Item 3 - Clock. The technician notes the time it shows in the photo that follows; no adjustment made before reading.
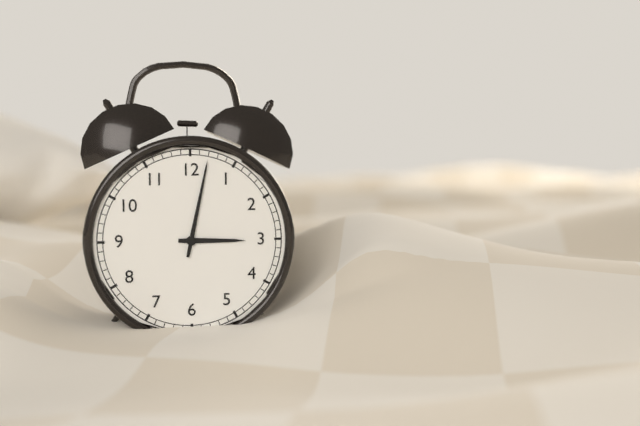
3:02
